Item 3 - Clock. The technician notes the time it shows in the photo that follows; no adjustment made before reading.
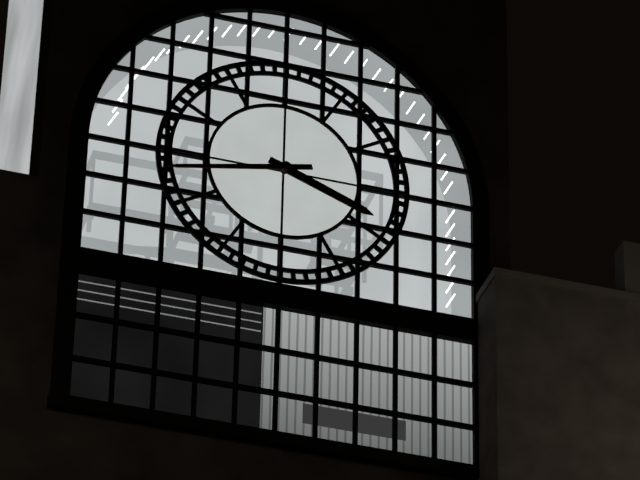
3:43
